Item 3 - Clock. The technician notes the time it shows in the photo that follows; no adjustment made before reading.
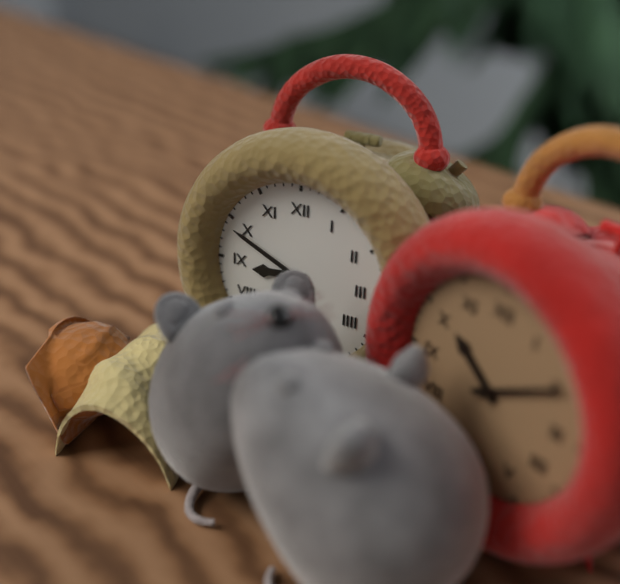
8:49
